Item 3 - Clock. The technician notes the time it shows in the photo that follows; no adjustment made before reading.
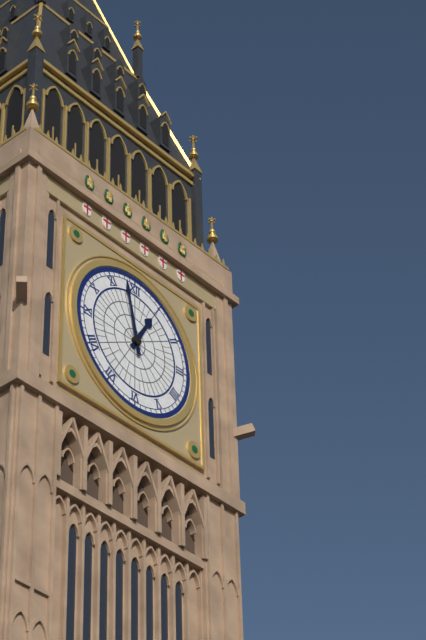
12:58
